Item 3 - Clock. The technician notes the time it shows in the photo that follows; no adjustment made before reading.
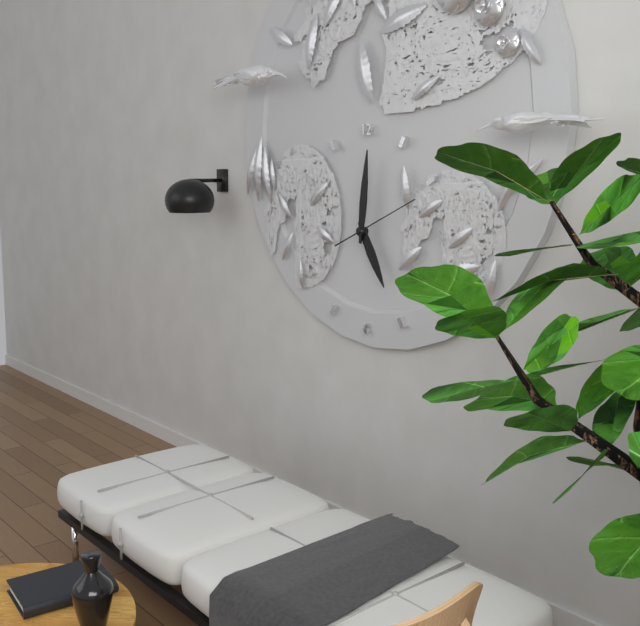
5:01:11
